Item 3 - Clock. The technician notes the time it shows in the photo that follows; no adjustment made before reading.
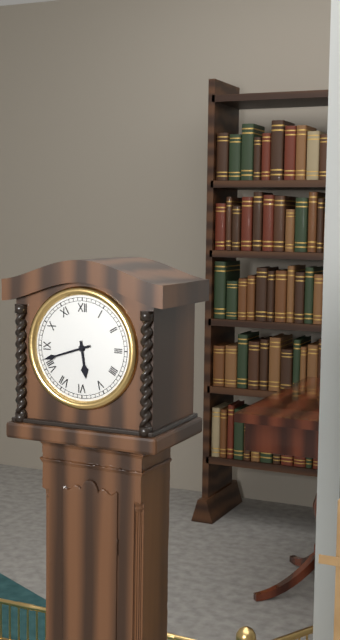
5:42
